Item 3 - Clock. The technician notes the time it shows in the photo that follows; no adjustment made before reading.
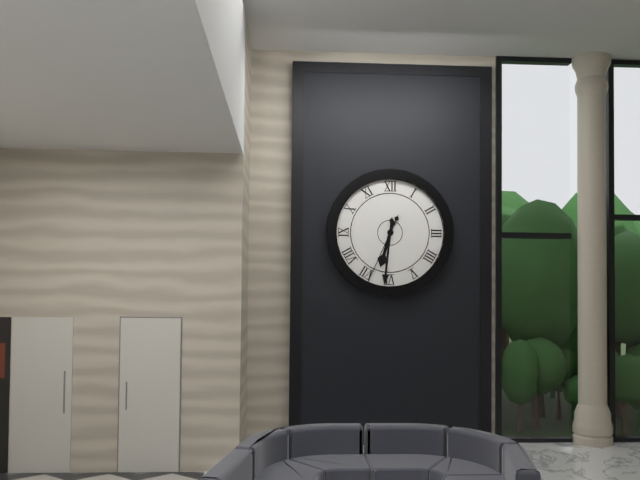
6:31:34
